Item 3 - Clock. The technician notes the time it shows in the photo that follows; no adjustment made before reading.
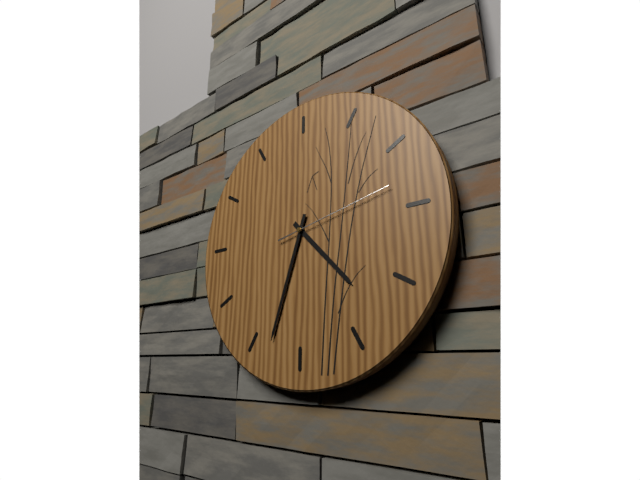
4:33:13
